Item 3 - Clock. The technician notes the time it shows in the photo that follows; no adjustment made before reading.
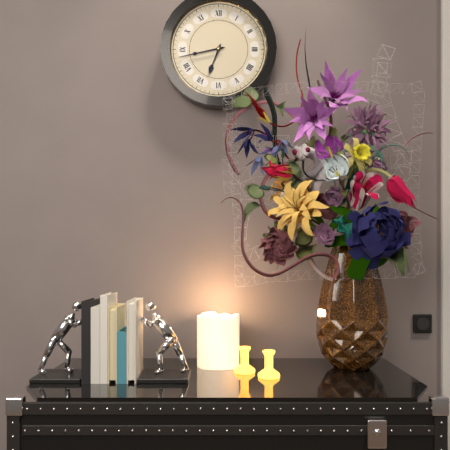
6:43
